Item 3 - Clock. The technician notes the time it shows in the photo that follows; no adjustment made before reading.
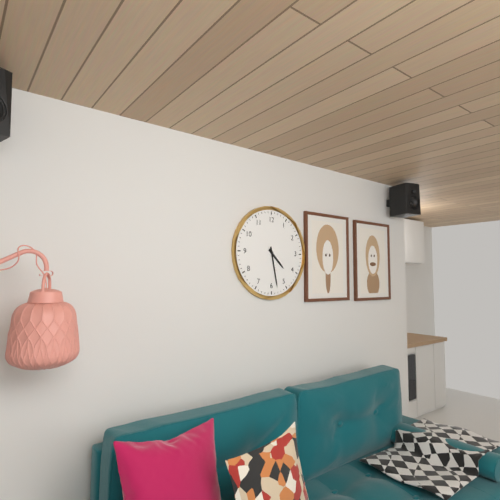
4:28
